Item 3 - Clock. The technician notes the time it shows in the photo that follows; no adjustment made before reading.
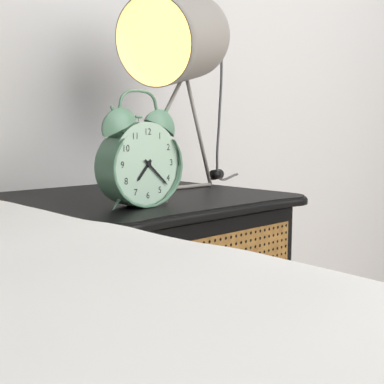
7:22
